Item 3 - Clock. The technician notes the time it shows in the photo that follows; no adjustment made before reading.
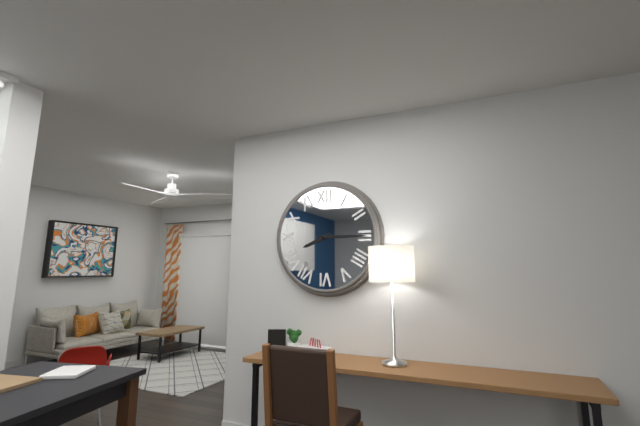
8:15
